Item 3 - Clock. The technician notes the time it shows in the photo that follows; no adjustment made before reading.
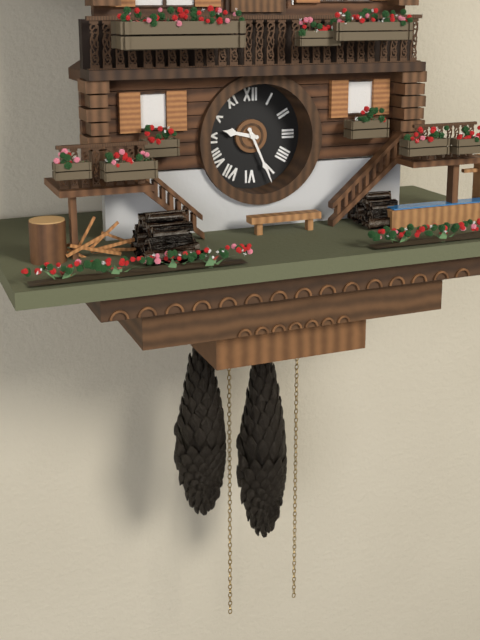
9:26
